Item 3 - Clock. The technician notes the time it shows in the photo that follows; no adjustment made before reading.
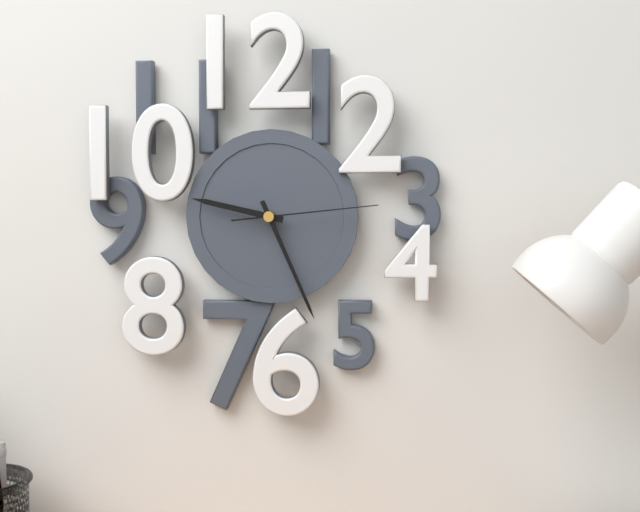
9:26:14
